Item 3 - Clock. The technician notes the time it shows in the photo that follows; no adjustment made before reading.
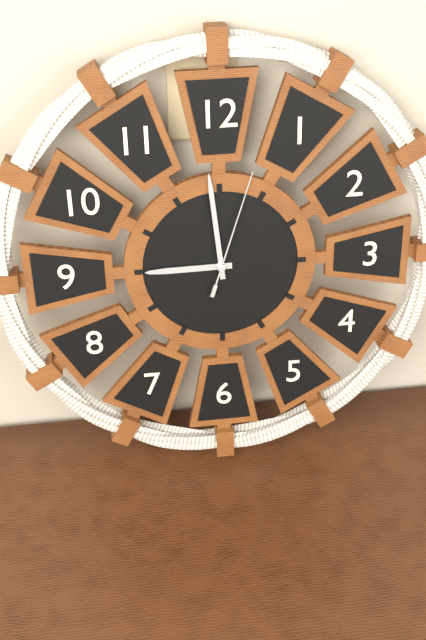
8:59:03
